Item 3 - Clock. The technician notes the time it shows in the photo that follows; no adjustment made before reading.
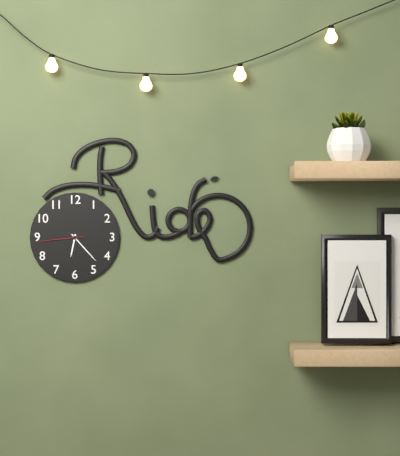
6:23
